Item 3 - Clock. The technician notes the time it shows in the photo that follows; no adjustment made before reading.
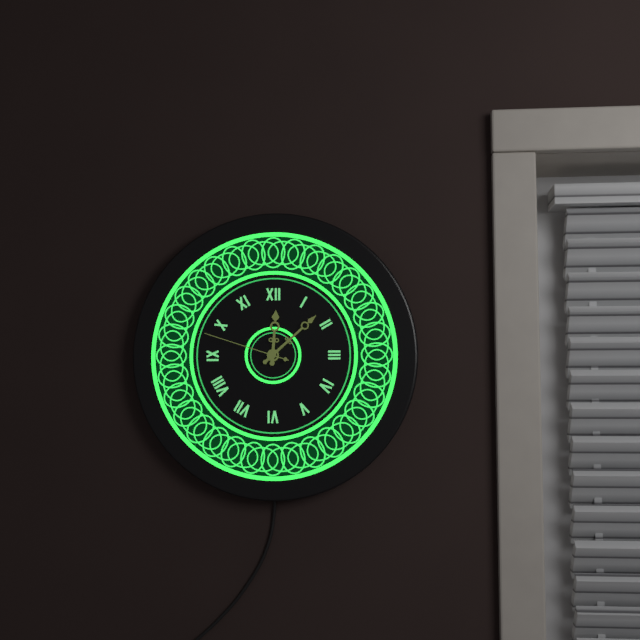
12:08:48
